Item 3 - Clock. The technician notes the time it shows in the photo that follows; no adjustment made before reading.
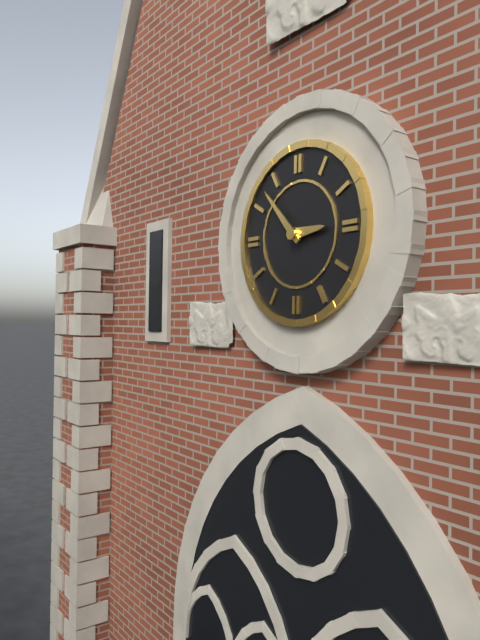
2:53
